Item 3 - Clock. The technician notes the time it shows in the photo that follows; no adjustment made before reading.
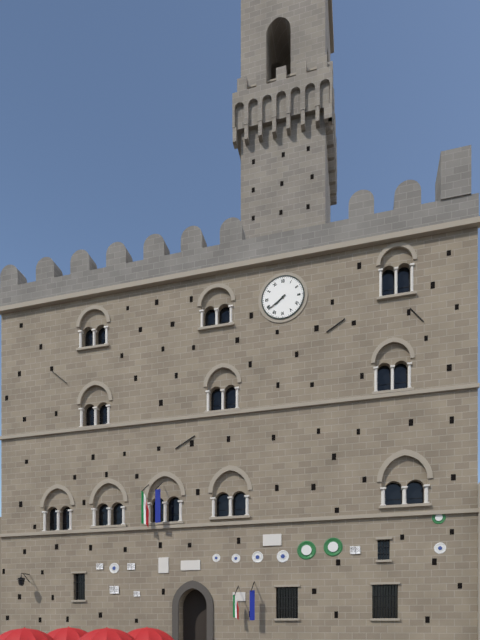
7:39
